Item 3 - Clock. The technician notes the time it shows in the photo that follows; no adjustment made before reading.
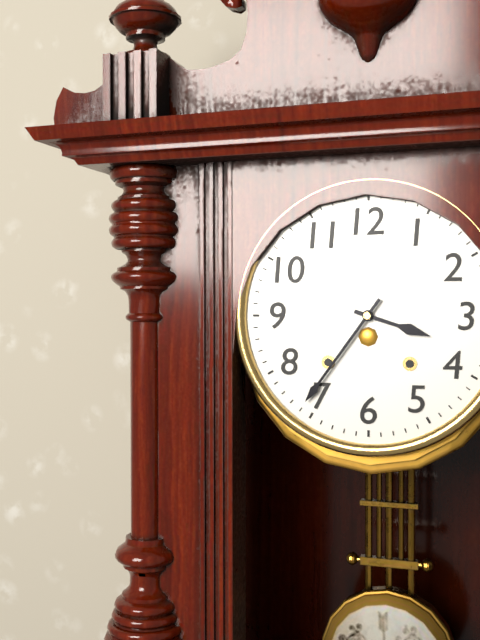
3:36
